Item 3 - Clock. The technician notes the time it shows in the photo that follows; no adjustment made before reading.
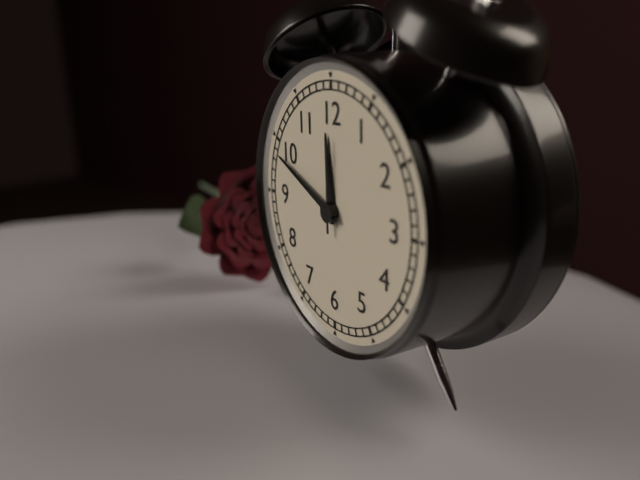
11:49:00
